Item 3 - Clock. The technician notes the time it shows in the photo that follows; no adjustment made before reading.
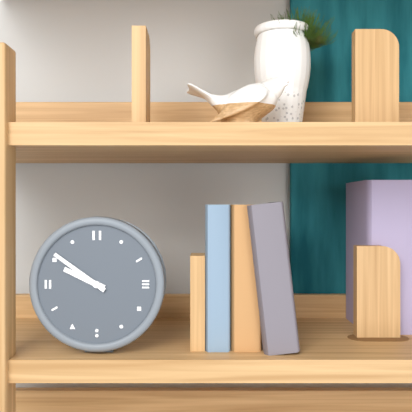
9:51
